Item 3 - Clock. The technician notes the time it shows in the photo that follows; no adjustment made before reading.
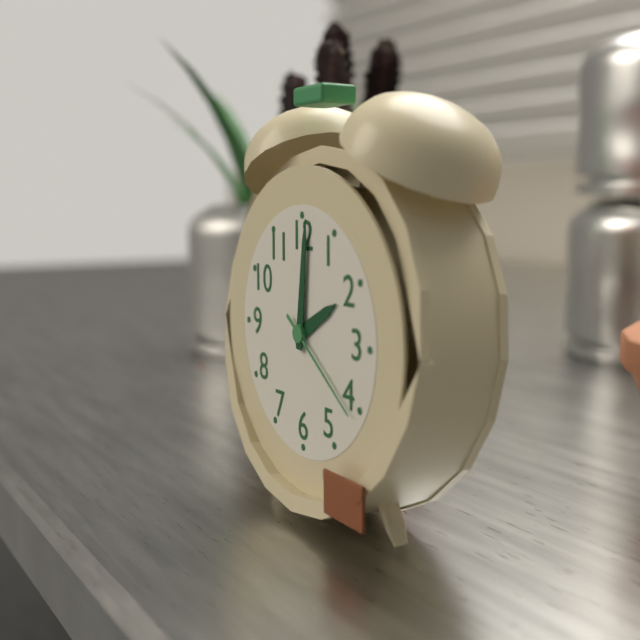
2:01:21
